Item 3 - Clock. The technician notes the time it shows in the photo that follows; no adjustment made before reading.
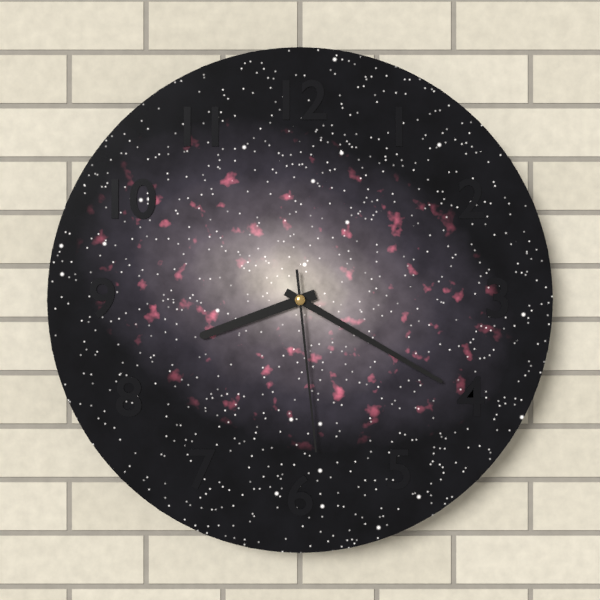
8:20:29
